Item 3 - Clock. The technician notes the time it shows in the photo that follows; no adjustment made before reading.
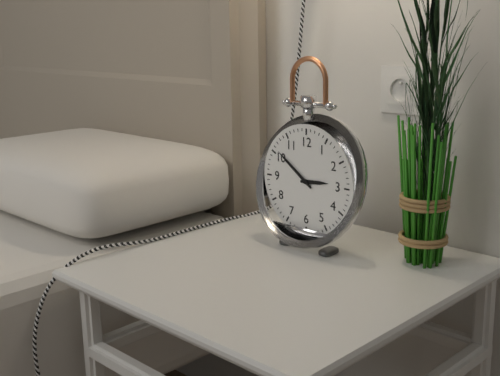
2:51
